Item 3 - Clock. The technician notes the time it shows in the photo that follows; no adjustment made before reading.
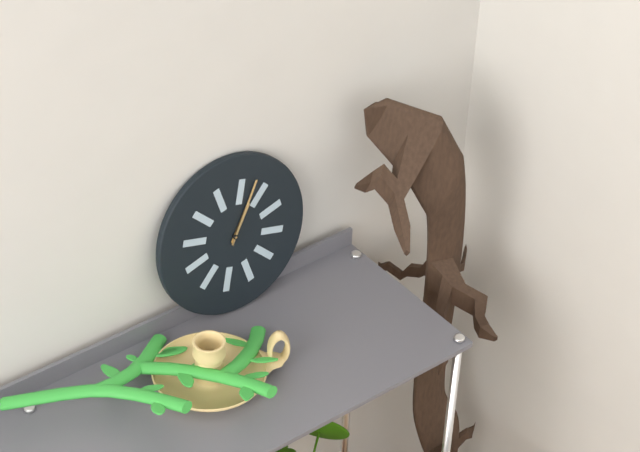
1:05
